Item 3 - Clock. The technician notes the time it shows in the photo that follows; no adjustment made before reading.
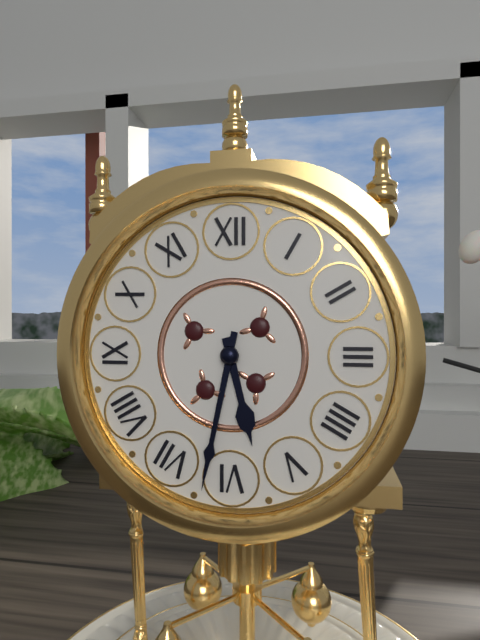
5:32
